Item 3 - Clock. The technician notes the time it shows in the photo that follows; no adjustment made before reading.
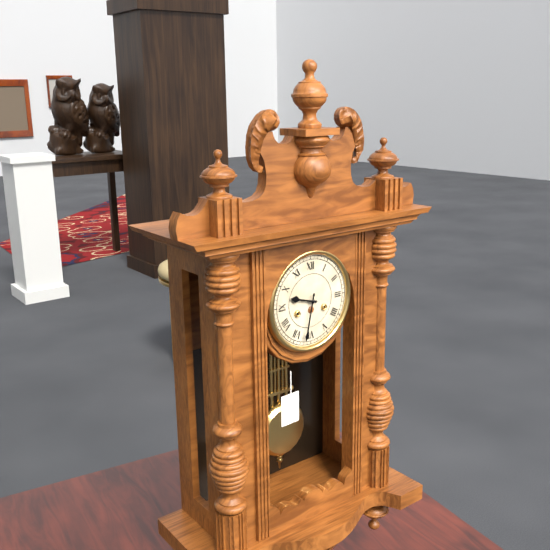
9:32
